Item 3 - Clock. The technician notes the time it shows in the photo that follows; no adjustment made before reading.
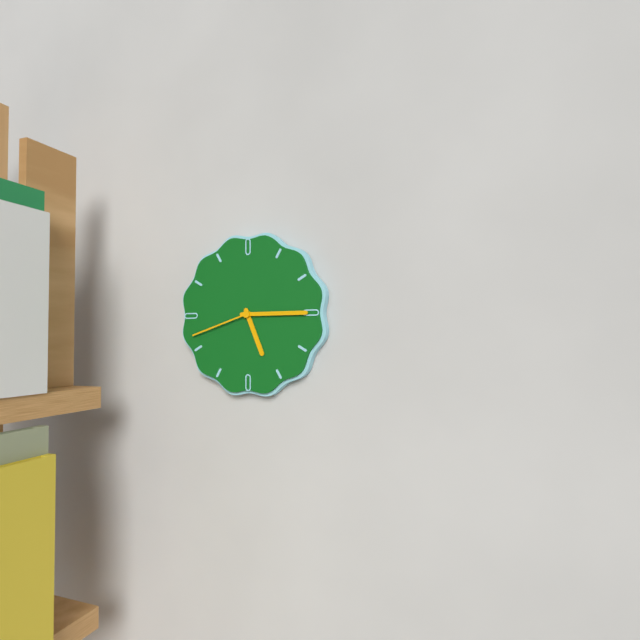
5:15:42
